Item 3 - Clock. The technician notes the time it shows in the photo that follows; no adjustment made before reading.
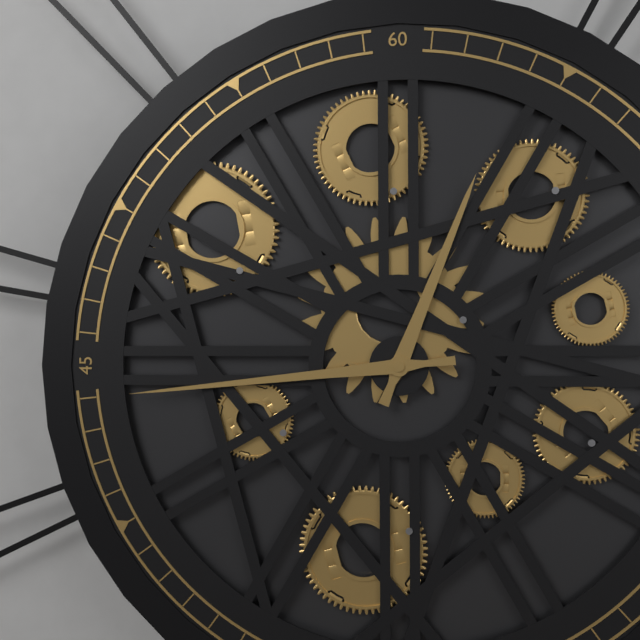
12:44
